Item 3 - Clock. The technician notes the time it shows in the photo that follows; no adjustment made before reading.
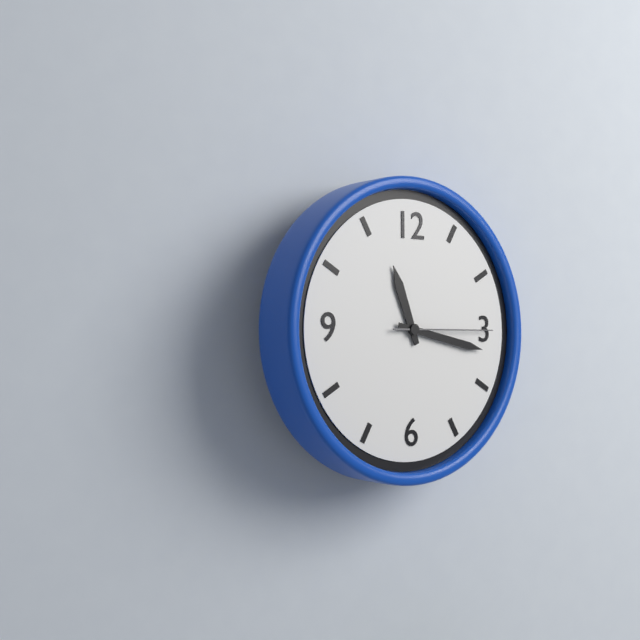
11:17:15
